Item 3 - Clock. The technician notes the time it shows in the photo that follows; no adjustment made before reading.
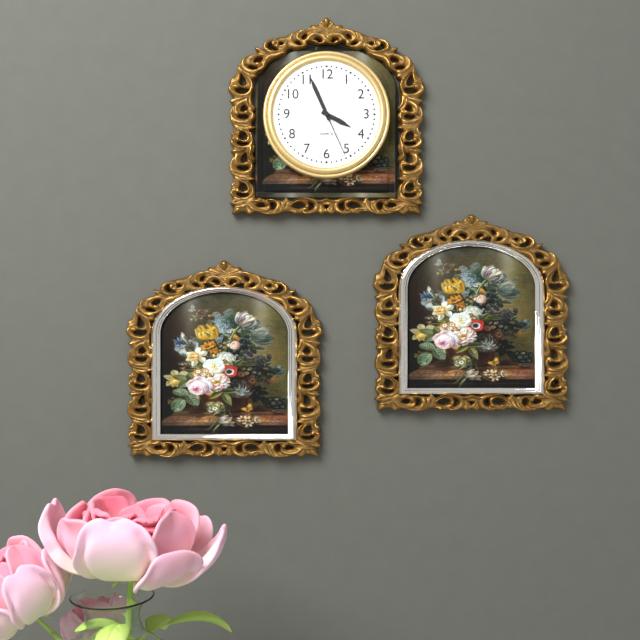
3:56:26
